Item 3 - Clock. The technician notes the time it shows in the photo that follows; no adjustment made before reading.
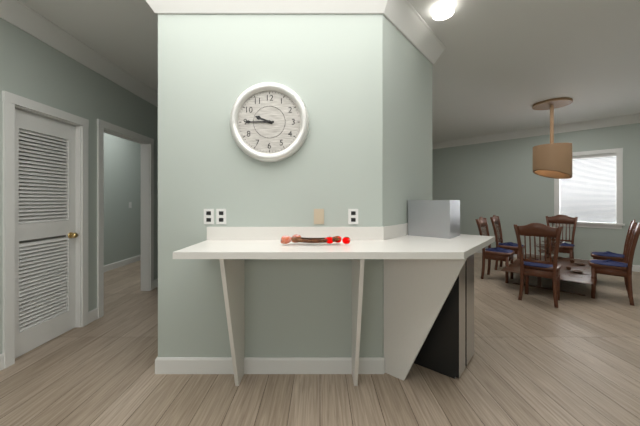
9:45
